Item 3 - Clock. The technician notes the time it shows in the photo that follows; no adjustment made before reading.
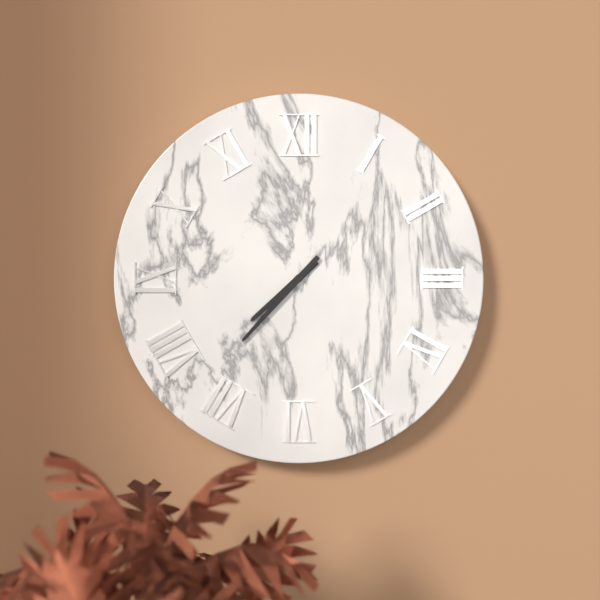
7:37
